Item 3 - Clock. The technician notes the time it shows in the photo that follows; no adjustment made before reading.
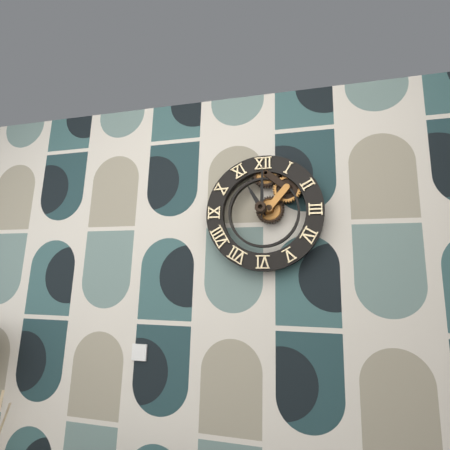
11:00
